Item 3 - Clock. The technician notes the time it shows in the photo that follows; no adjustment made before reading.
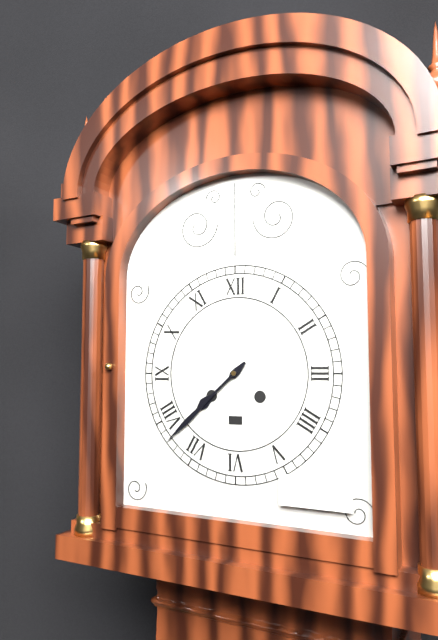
7:38
